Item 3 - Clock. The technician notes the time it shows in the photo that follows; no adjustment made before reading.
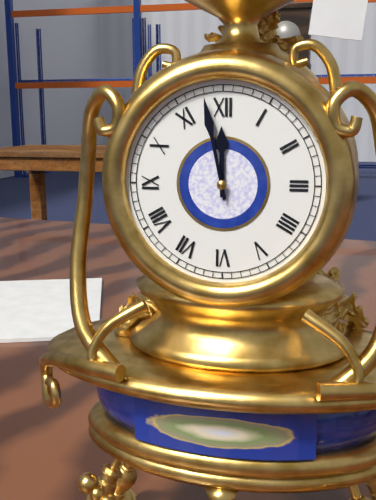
11:58
